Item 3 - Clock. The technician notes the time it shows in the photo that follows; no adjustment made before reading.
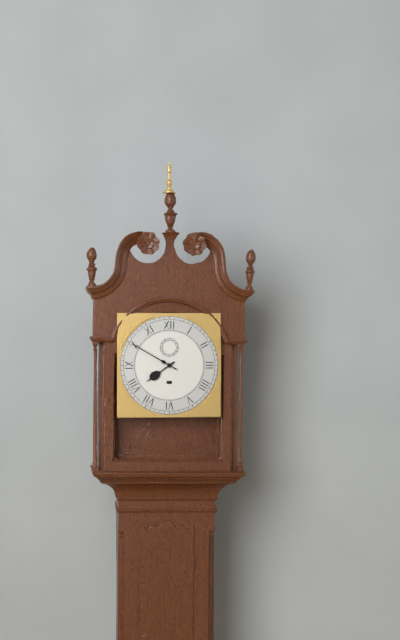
7:50
